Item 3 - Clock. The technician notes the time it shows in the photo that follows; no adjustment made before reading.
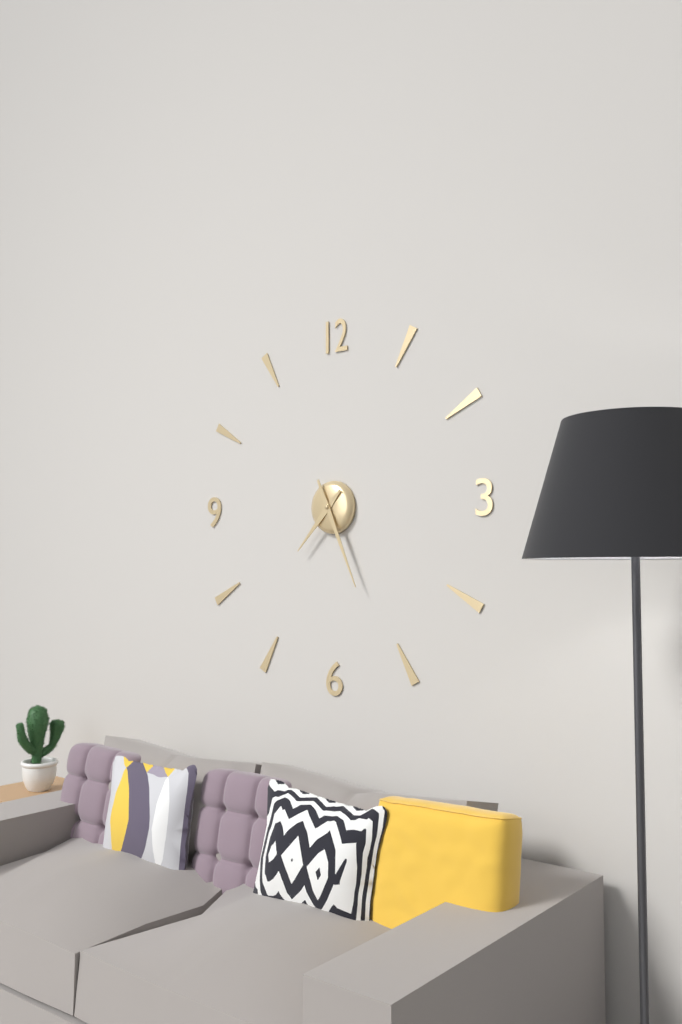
7:26
